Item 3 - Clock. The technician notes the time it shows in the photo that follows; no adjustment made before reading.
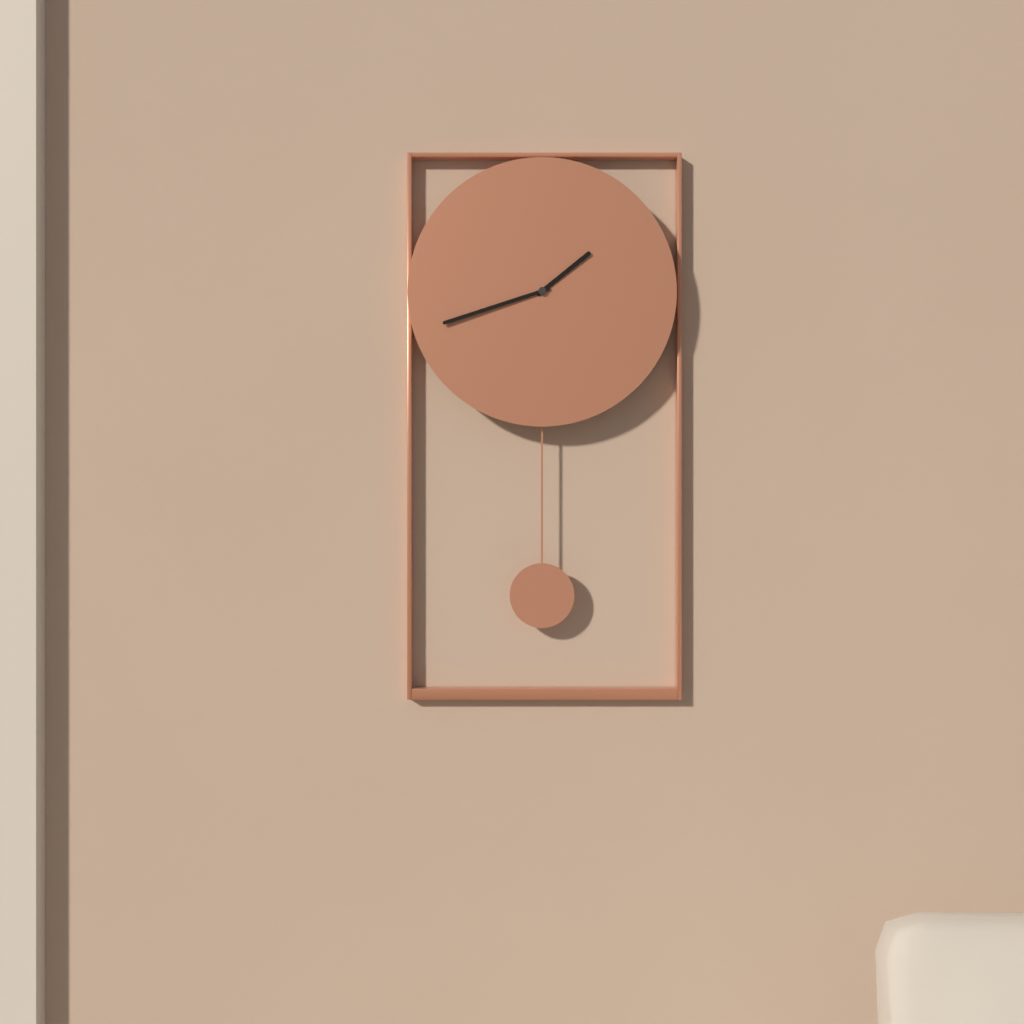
1:42
